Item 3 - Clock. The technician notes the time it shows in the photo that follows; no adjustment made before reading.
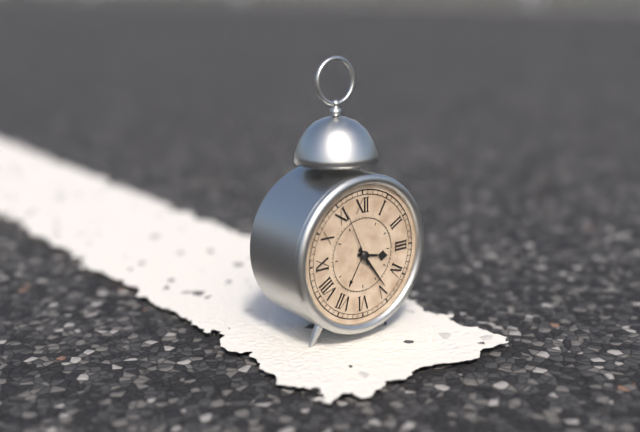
3:24:56
